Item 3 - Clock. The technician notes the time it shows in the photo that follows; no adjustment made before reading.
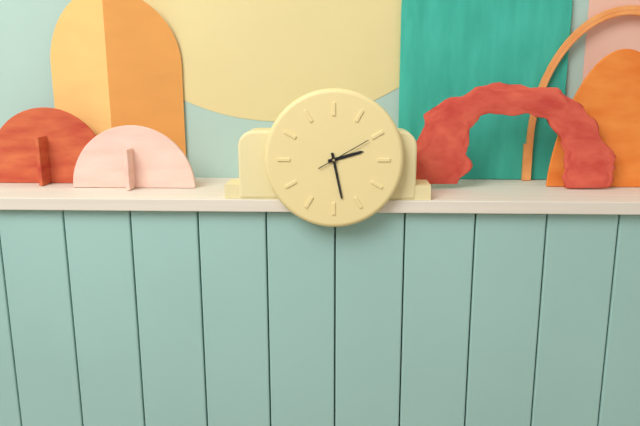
2:28:10
